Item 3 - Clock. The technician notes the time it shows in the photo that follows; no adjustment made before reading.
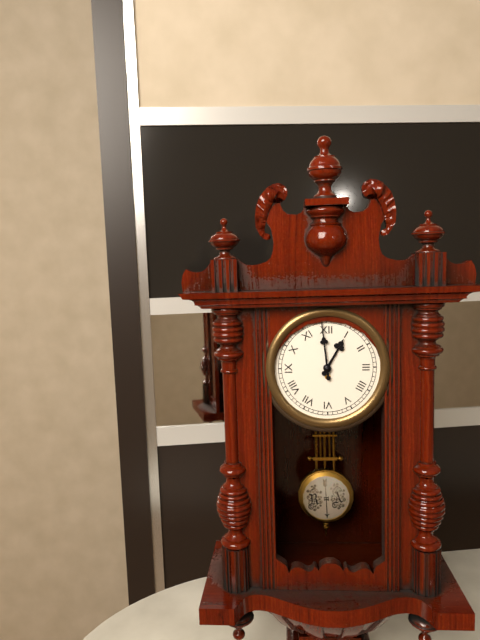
12:59
